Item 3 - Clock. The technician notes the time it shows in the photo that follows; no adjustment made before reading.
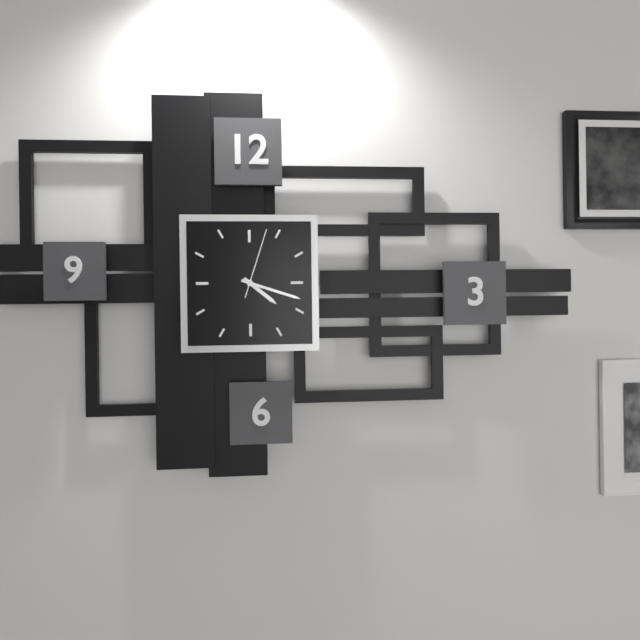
4:18:03
